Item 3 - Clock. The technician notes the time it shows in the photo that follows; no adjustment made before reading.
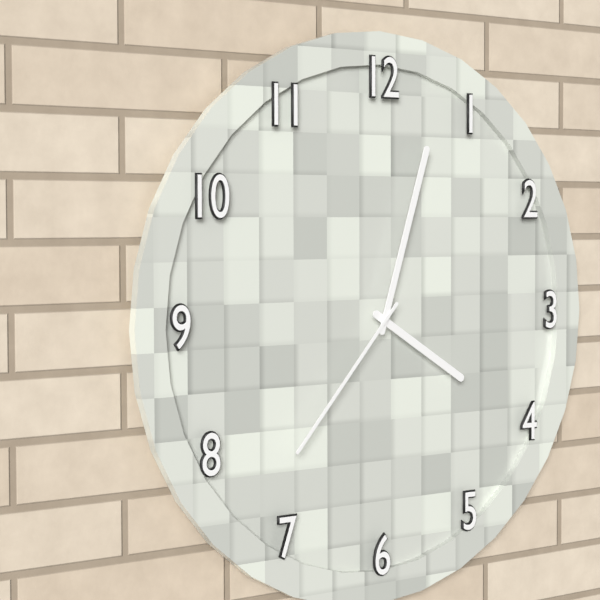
4:03:37
